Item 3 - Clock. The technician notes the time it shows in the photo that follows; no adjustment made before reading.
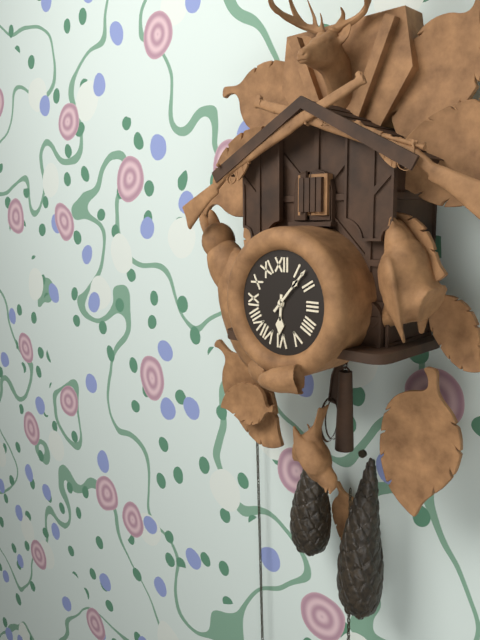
6:07
